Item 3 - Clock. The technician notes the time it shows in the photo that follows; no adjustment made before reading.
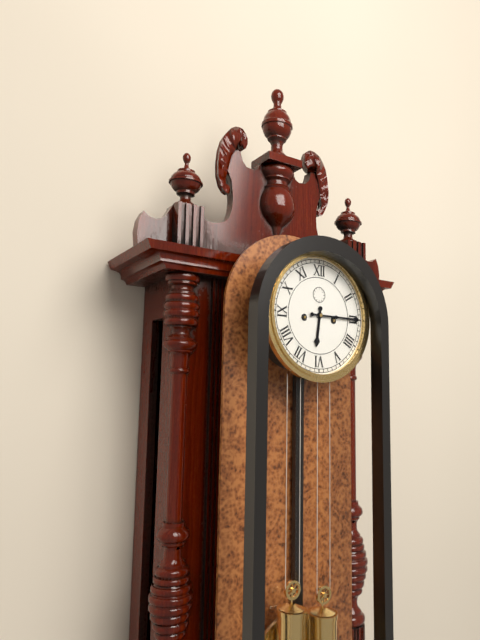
6:15
